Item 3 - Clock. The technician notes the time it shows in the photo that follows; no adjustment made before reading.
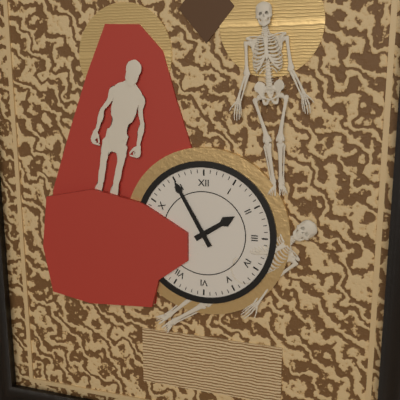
1:55
